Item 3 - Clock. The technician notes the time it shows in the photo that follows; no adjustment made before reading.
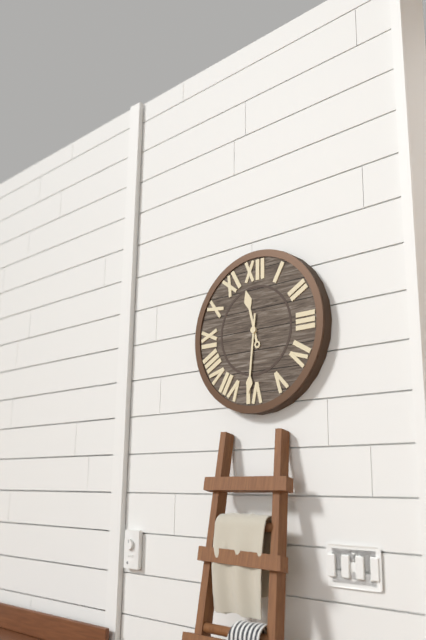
11:31
